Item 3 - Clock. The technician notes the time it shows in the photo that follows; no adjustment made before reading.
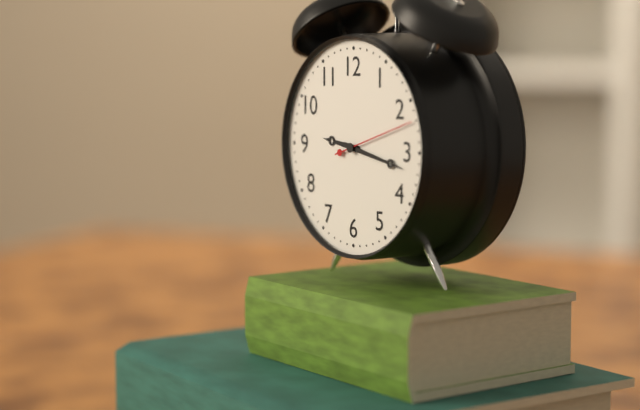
9:17:12
